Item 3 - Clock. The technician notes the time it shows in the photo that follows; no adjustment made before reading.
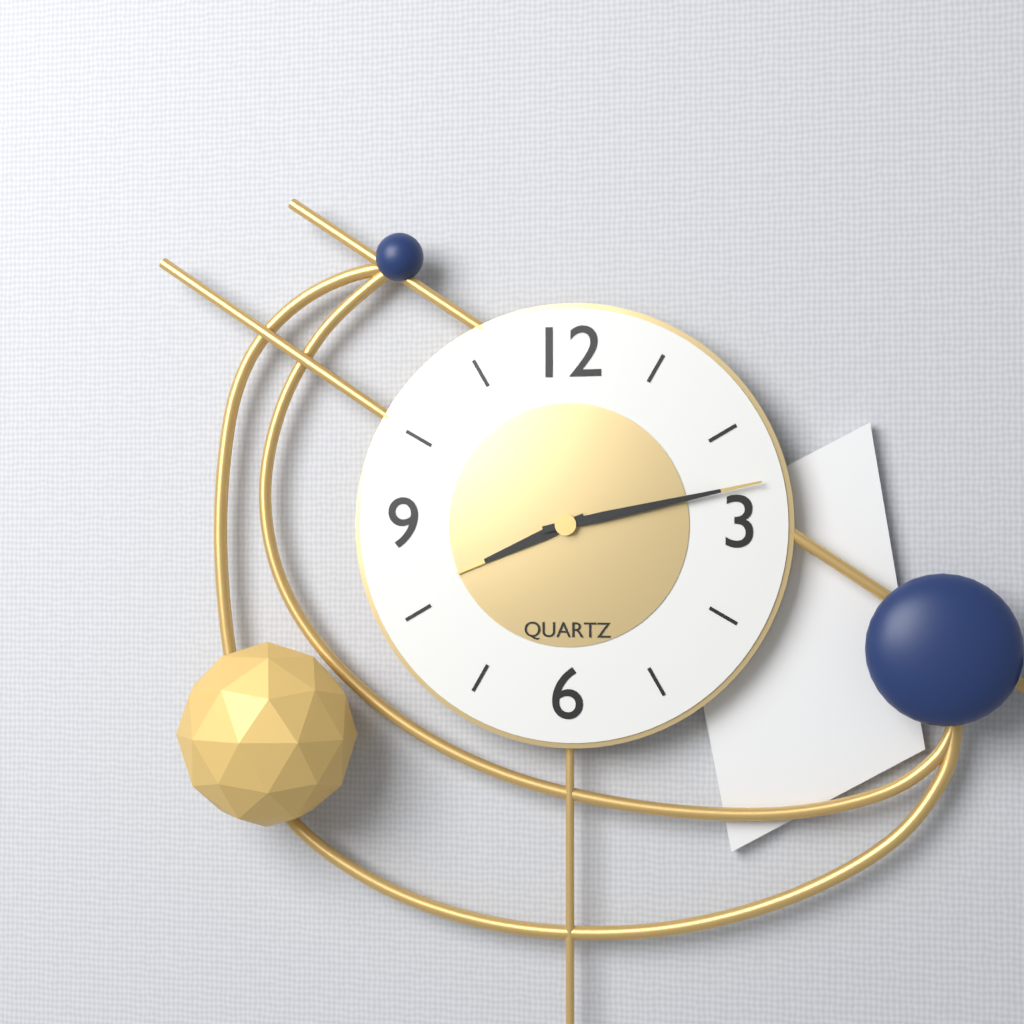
8:13
